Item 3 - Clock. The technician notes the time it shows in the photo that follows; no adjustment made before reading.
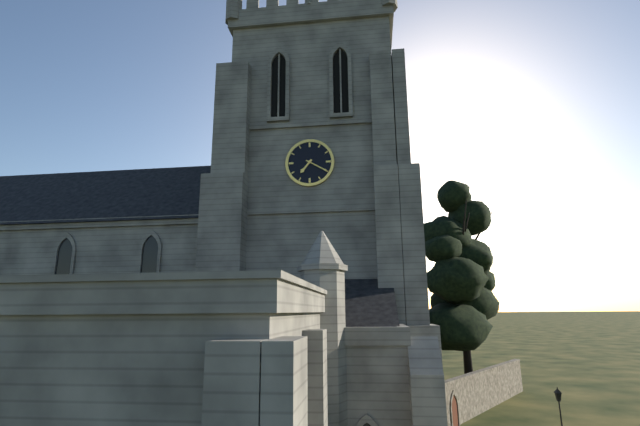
7:20
